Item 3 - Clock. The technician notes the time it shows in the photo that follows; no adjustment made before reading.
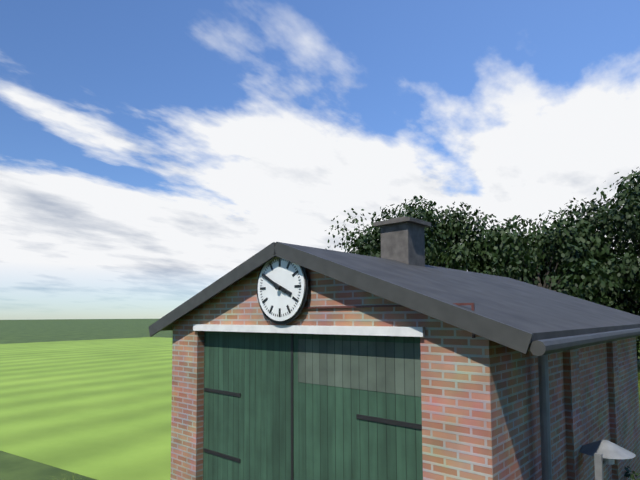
3:50
